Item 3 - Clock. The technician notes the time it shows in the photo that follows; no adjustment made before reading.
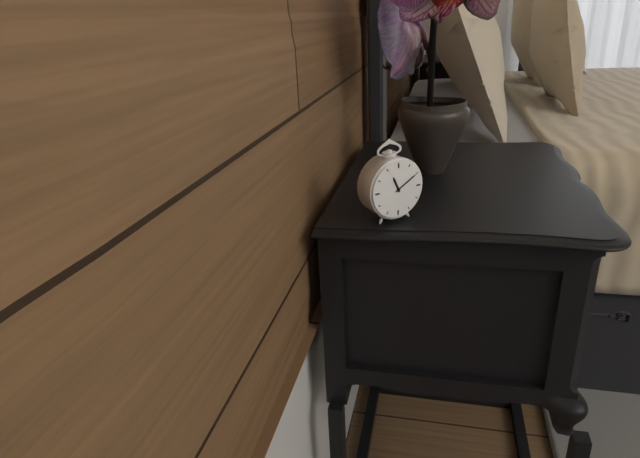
11:10
